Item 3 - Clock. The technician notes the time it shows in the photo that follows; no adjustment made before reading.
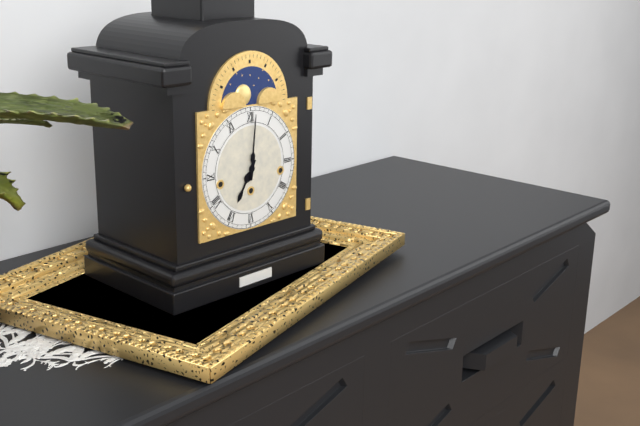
7:01
